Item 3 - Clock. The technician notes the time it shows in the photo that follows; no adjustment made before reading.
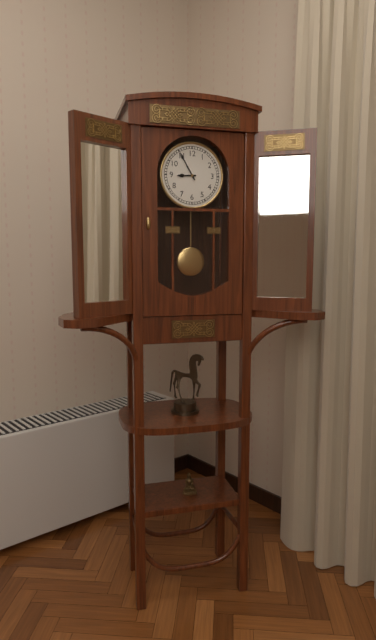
8:55
